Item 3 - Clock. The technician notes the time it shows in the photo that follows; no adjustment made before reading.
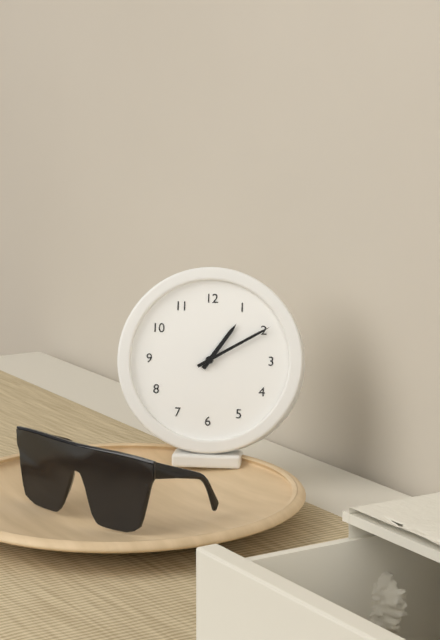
1:10
